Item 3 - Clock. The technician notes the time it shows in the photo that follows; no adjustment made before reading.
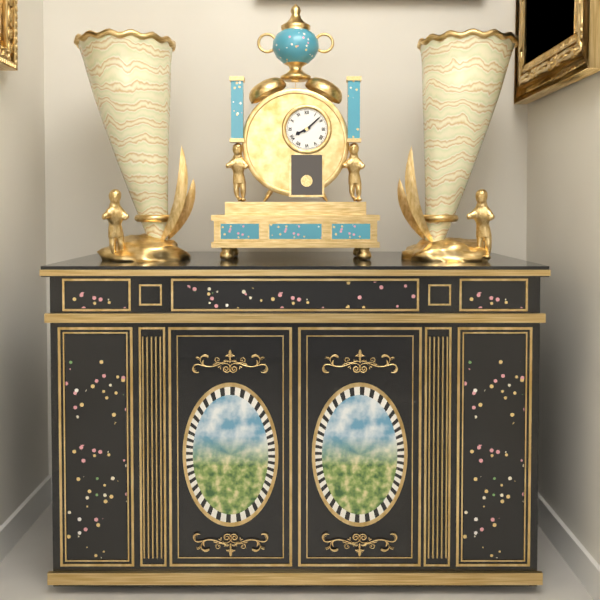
8:08
